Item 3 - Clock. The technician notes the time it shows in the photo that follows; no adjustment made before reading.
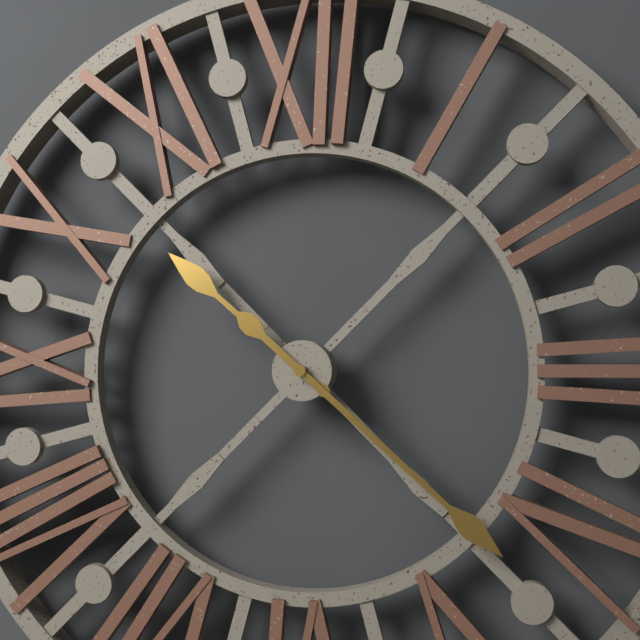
10:22
